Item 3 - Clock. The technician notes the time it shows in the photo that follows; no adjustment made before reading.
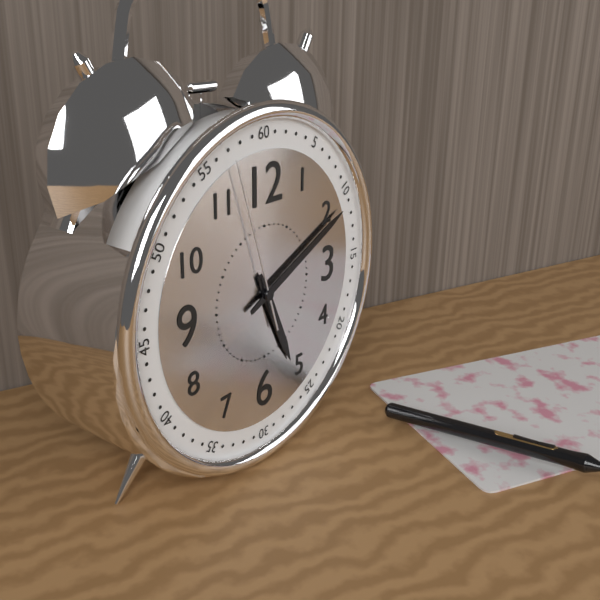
5:11:57
